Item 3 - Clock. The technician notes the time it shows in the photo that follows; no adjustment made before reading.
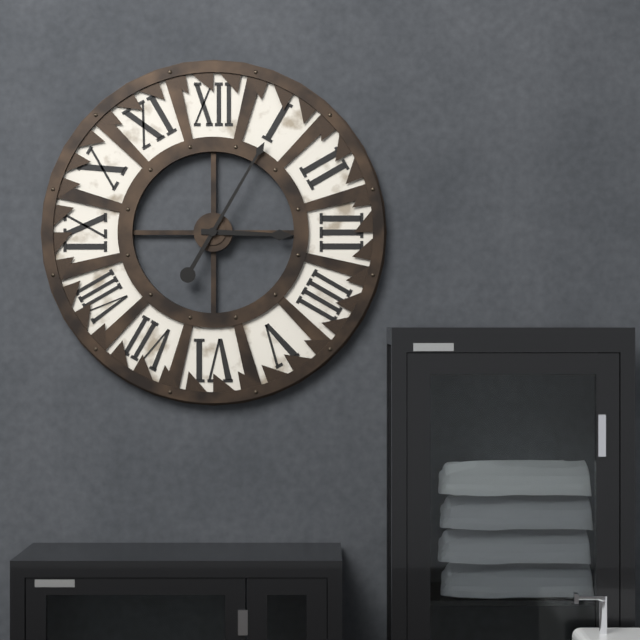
3:05
